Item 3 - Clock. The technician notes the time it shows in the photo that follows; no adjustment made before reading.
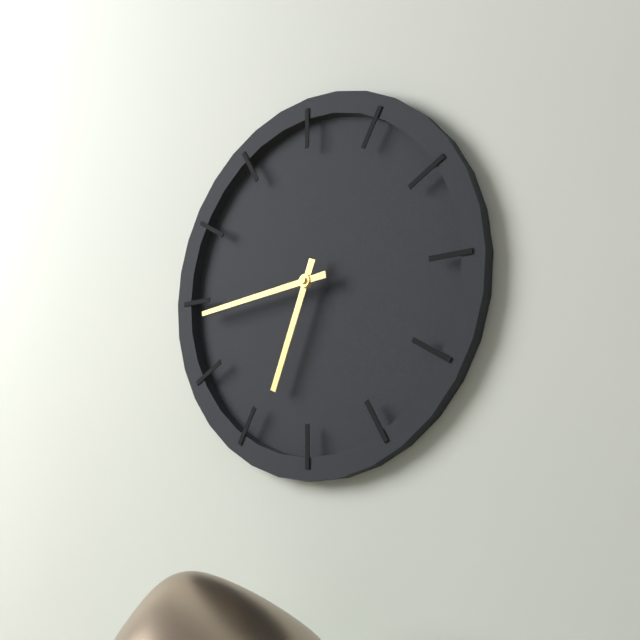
6:44
